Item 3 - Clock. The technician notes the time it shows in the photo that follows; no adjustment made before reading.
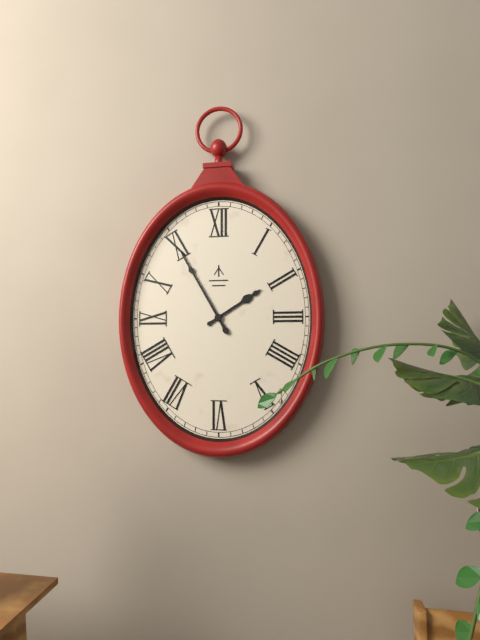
1:55
